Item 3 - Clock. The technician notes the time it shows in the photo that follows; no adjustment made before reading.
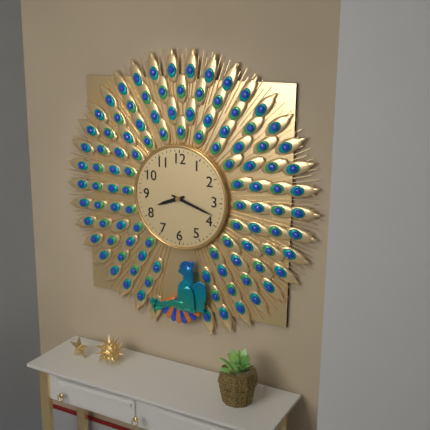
8:18
